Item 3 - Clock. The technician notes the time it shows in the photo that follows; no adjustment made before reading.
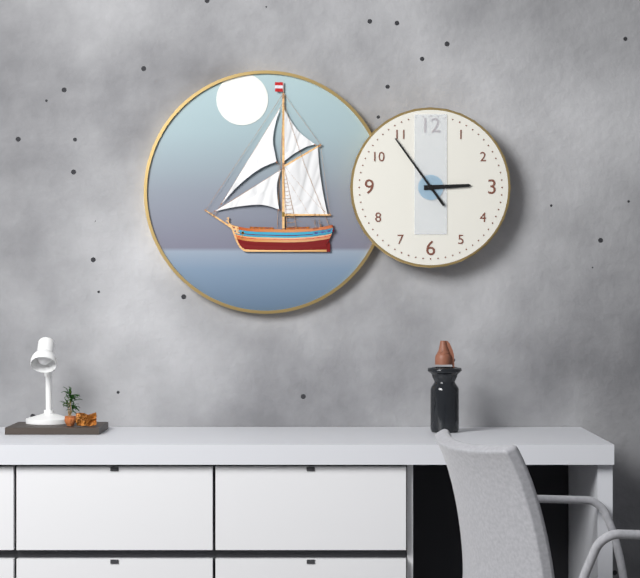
2:54
